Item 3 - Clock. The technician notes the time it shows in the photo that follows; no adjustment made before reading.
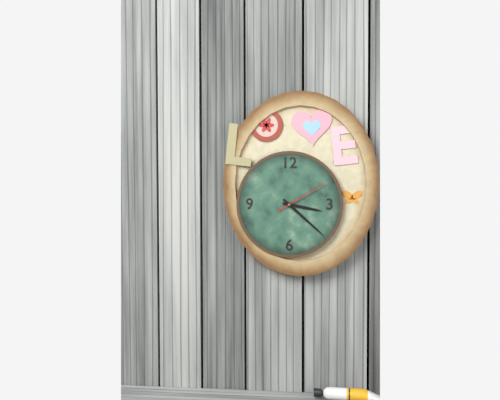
3:22:10
